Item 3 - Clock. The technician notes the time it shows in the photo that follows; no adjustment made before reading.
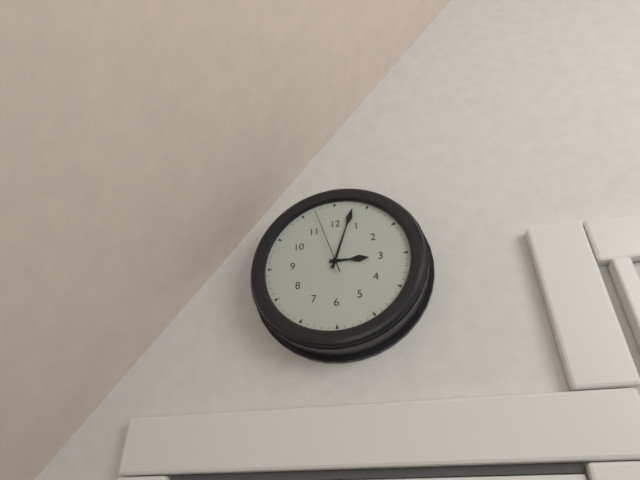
3:03:57
